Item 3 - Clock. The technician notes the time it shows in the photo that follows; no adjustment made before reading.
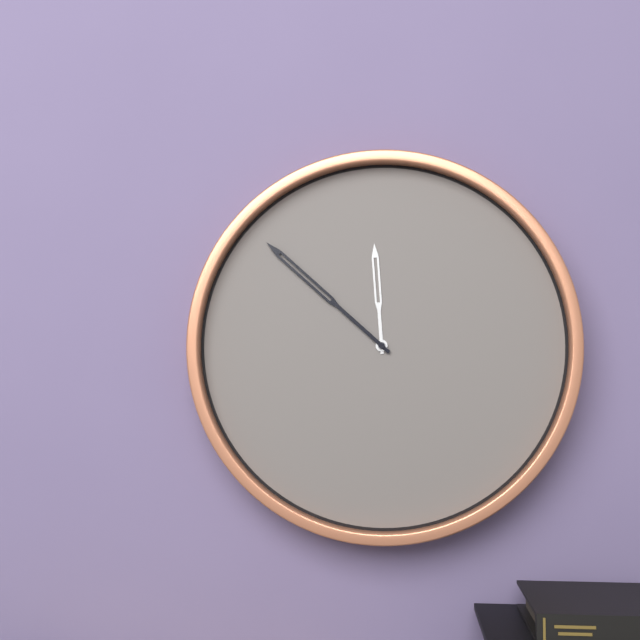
11:52
